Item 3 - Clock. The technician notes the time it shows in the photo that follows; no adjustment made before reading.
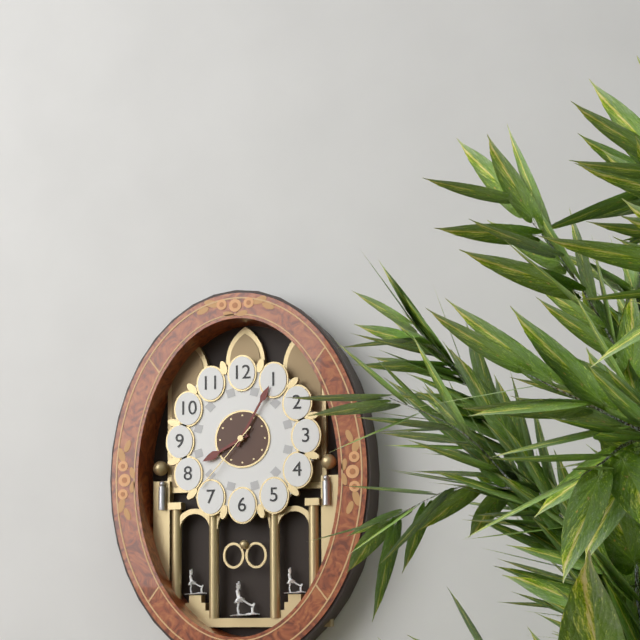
8:05:37
